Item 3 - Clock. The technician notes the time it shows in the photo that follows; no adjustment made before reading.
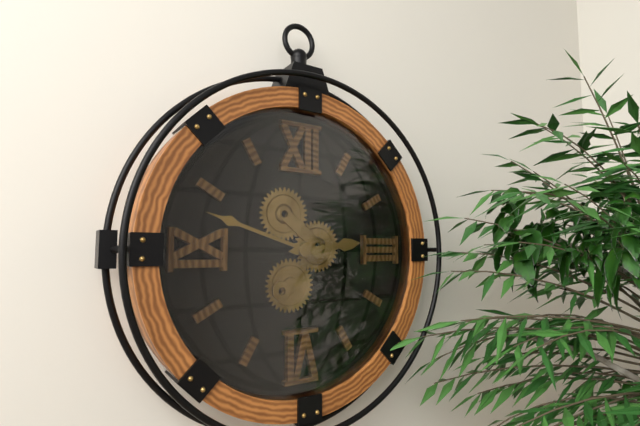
2:48
